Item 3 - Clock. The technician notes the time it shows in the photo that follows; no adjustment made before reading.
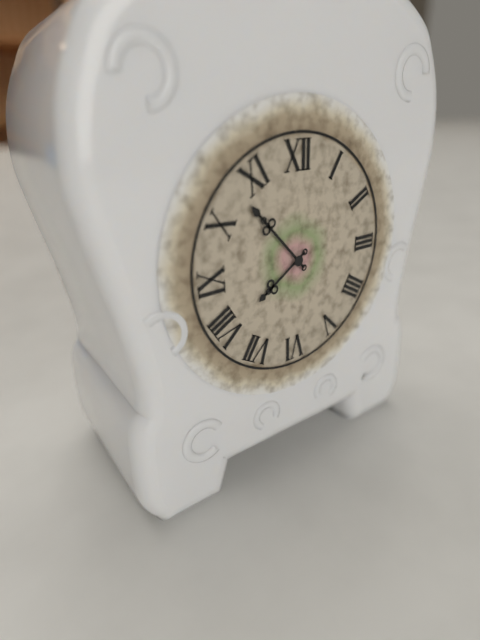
7:53
